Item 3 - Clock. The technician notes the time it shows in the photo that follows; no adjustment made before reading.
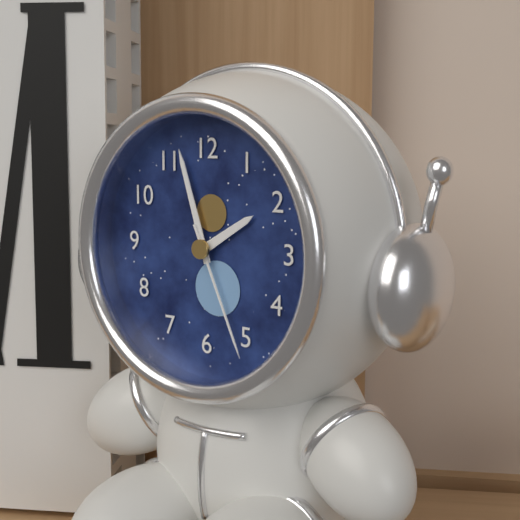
1:57:26
